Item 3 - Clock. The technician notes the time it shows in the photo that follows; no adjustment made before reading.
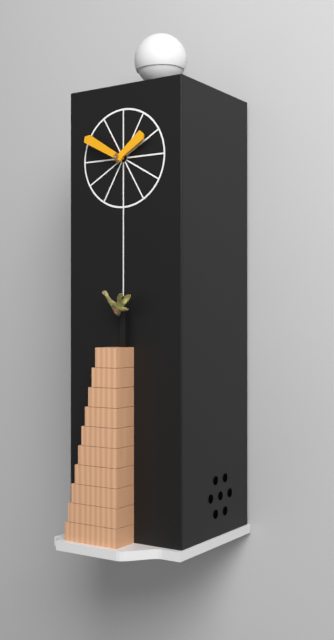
1:50
